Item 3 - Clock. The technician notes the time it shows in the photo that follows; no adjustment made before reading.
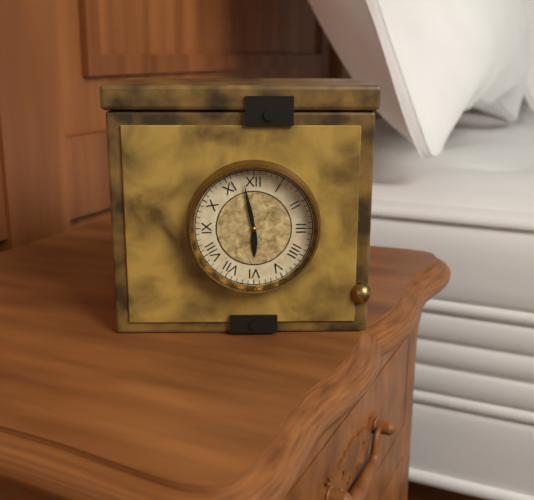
5:58
